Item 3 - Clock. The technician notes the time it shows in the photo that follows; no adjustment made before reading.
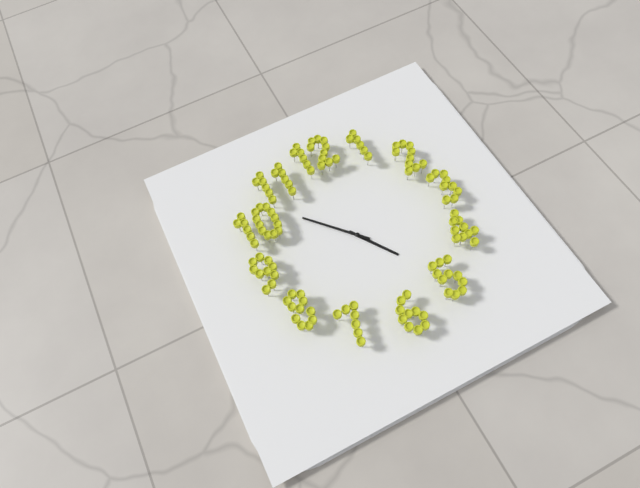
4:53
